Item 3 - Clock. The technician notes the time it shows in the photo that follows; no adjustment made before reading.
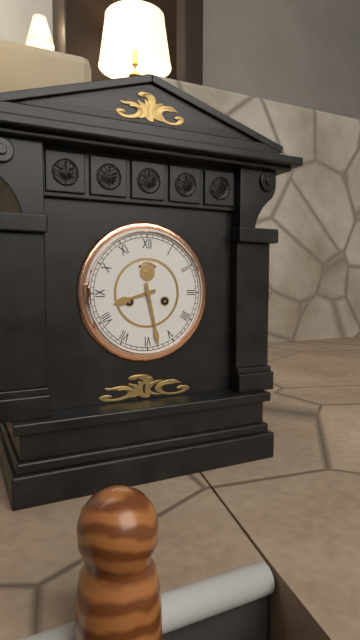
8:28
